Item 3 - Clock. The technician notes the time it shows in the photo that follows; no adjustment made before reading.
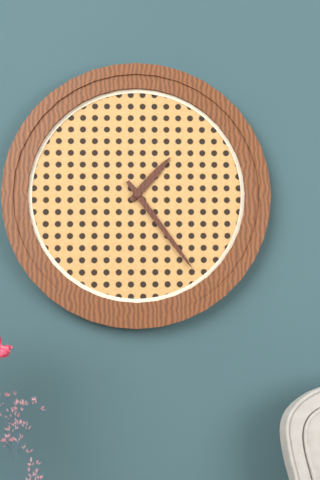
1:24
